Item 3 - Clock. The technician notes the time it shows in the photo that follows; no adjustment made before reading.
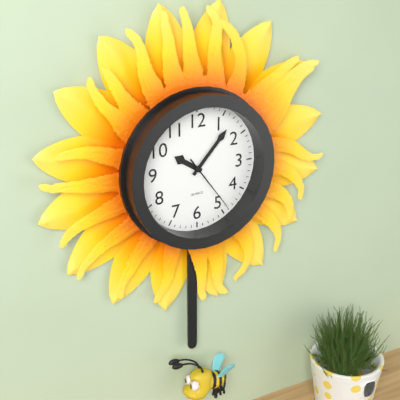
10:07:24
